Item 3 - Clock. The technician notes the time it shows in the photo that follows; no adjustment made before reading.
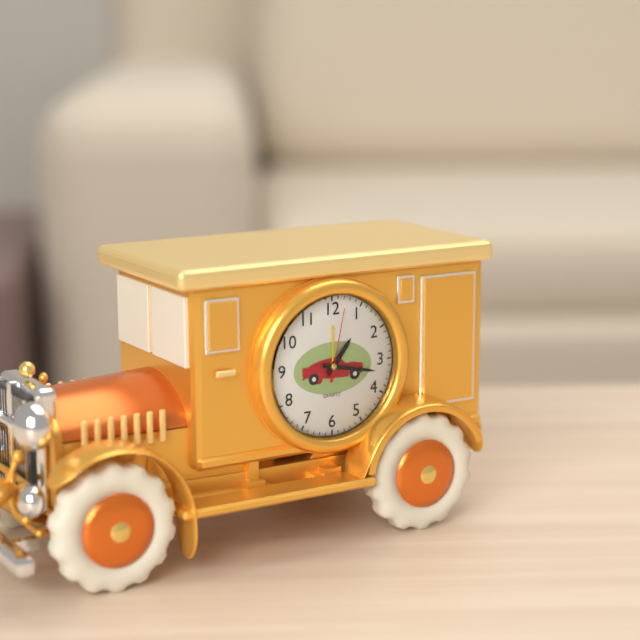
1:17:02
